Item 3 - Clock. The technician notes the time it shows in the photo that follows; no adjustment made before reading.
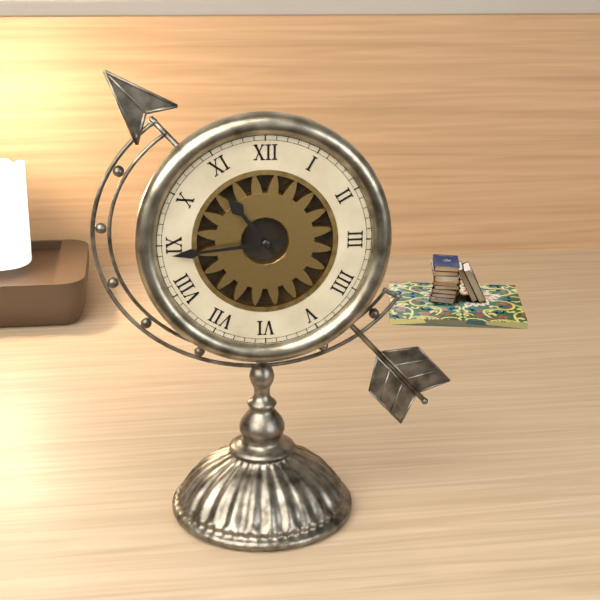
10:44
